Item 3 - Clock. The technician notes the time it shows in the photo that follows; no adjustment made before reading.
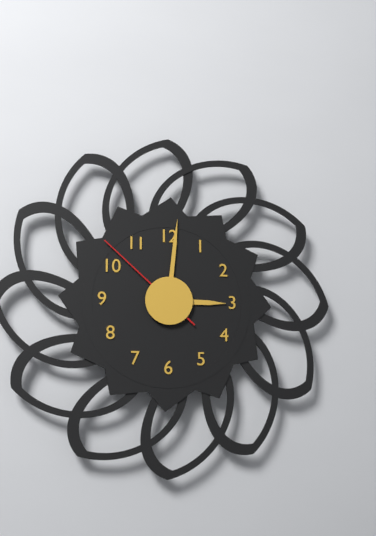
3:01:52
